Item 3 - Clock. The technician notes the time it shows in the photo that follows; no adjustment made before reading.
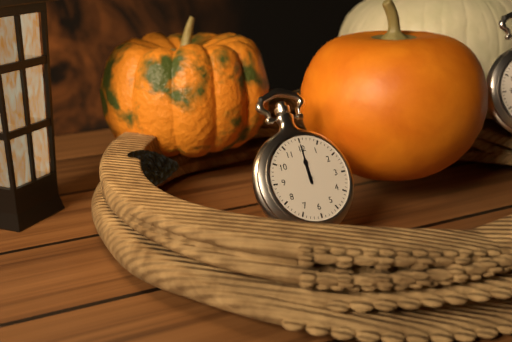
12:00
